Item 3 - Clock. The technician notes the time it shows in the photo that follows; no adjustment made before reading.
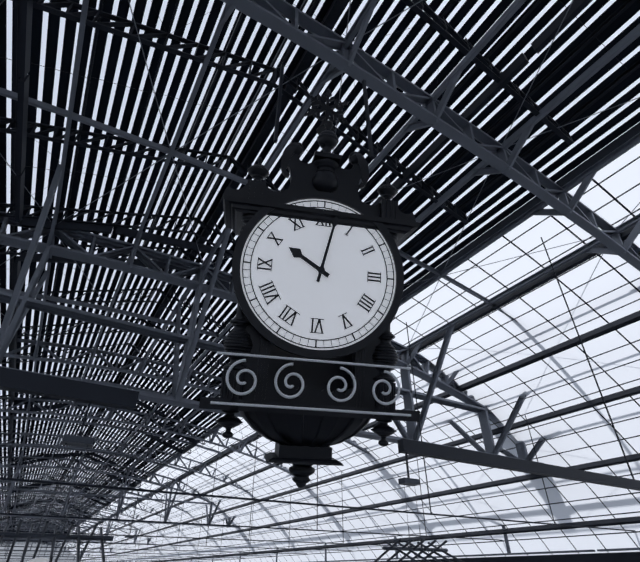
10:02
